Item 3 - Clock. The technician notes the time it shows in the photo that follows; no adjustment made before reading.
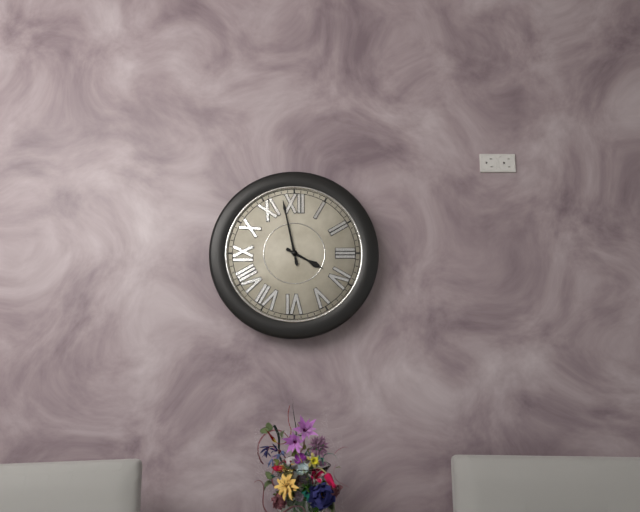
3:58
